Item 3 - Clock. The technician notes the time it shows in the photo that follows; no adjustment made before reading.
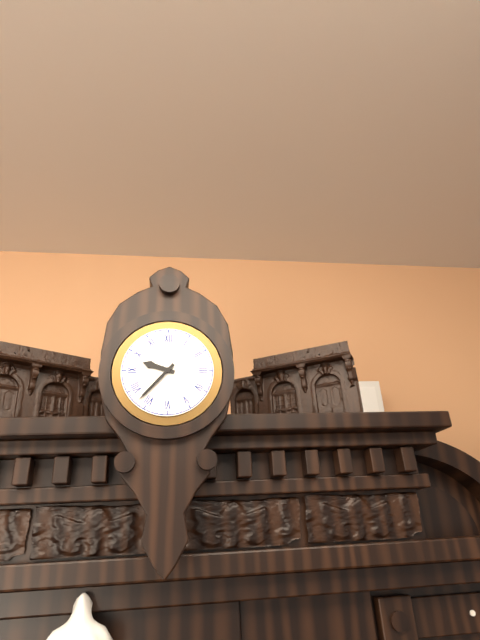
9:37
